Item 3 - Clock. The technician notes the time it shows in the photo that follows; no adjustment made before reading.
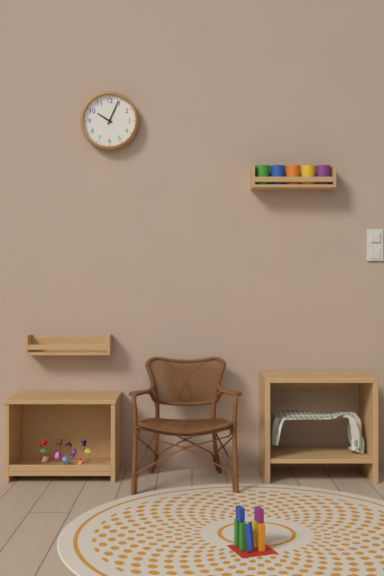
10:04
